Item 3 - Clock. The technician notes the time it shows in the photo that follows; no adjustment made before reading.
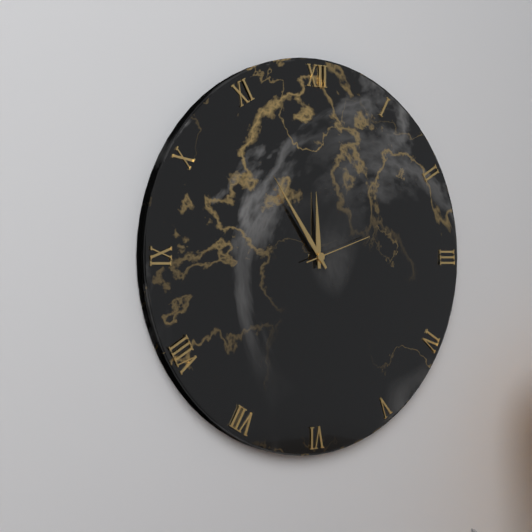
11:54:12
